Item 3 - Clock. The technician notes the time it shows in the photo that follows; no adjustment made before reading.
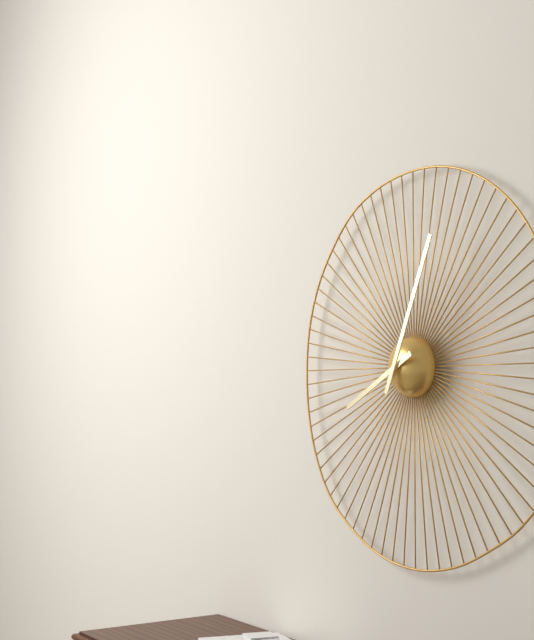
8:04
